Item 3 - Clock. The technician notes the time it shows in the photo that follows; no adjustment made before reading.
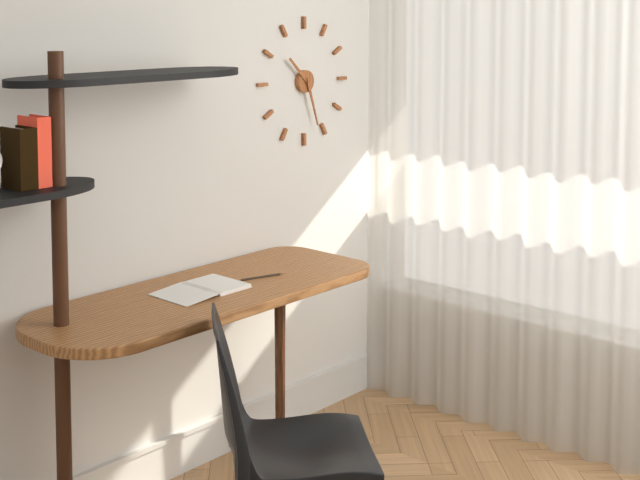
10:27
